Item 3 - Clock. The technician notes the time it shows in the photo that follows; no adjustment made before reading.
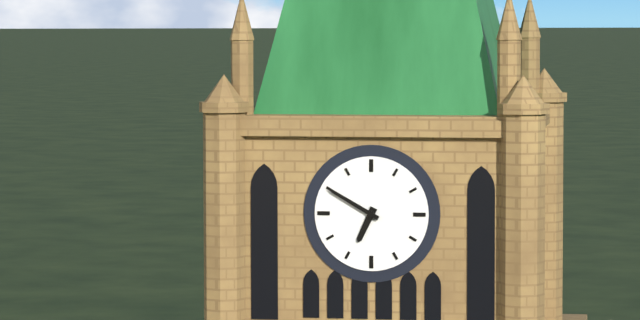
6:50
